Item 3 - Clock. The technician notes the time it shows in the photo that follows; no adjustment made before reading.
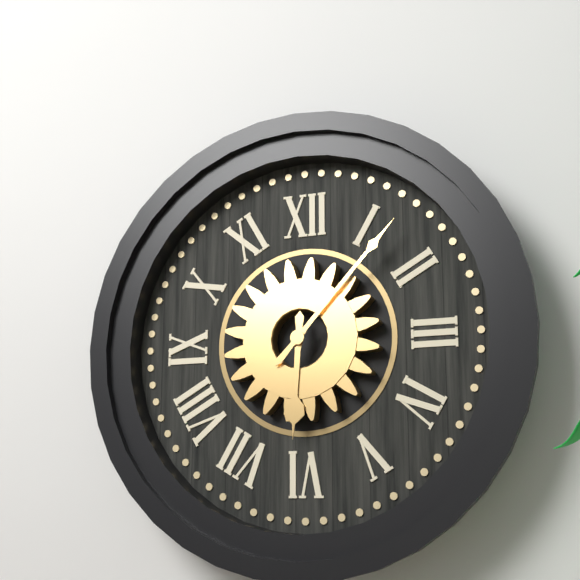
6:07
